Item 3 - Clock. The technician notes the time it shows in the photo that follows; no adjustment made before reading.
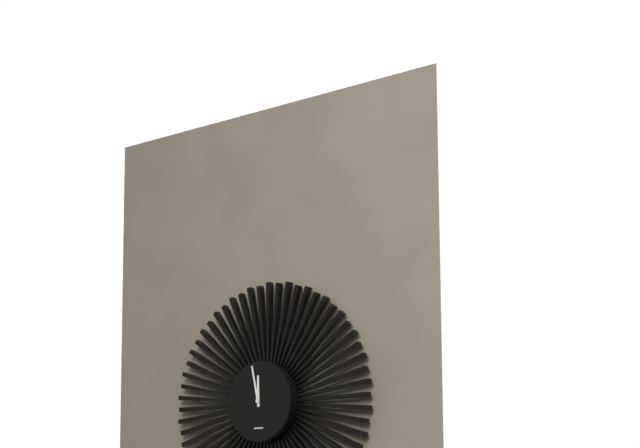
11:58
